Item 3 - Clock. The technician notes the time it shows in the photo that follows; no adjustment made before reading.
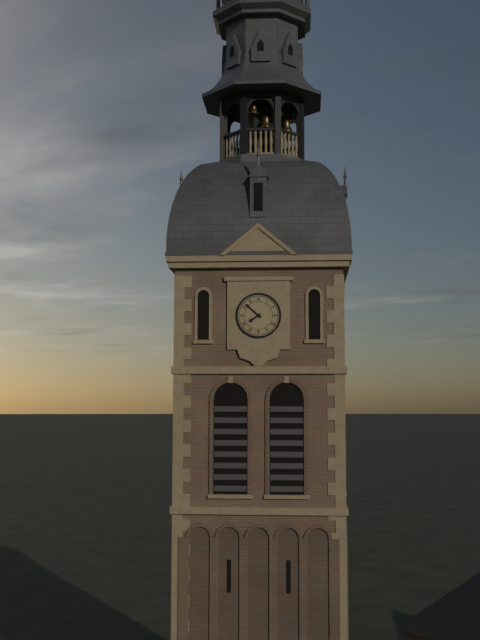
7:52
